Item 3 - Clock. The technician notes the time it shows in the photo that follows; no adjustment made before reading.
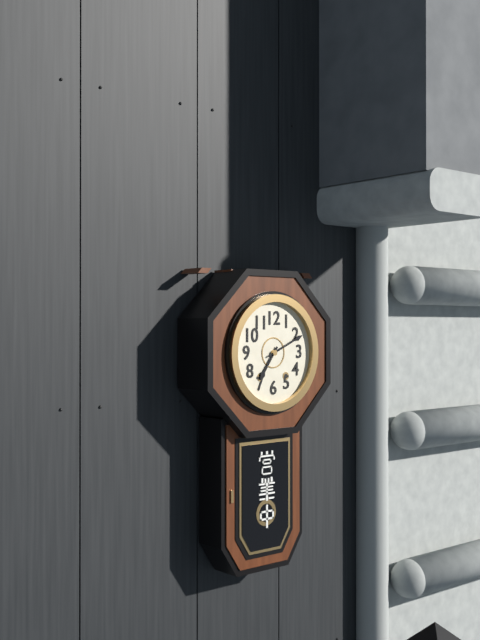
7:11
